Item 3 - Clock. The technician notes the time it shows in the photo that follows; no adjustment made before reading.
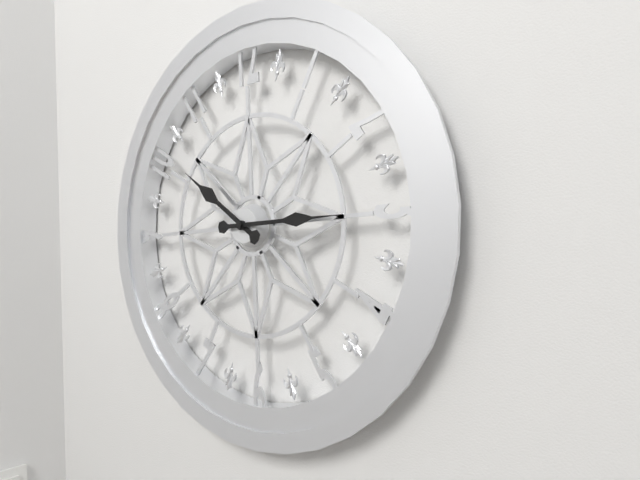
10:15
